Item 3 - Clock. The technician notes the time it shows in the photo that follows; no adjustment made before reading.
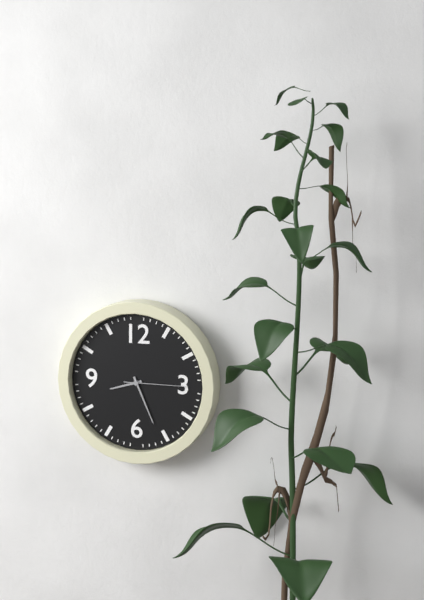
8:26:15
